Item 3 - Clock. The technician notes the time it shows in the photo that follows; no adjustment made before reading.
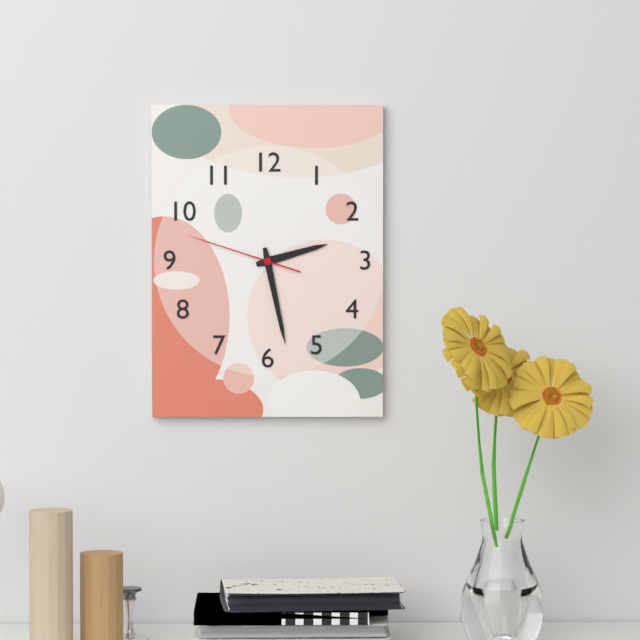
2:28:48
